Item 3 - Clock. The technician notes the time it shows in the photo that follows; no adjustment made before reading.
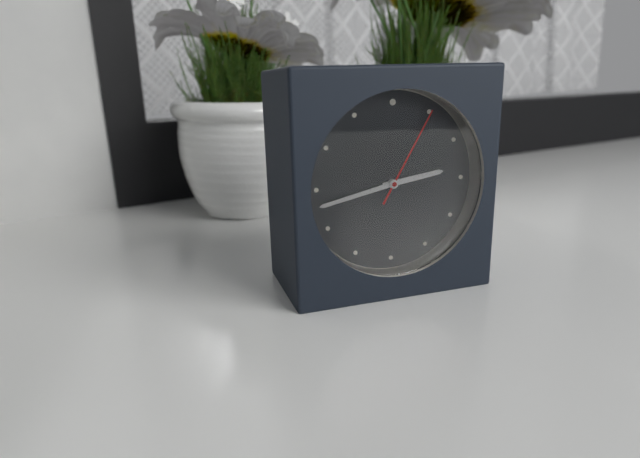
2:43:05
